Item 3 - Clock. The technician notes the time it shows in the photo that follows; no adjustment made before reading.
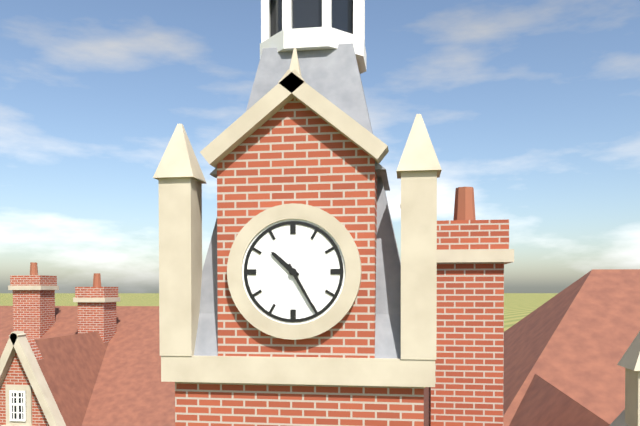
10:25
